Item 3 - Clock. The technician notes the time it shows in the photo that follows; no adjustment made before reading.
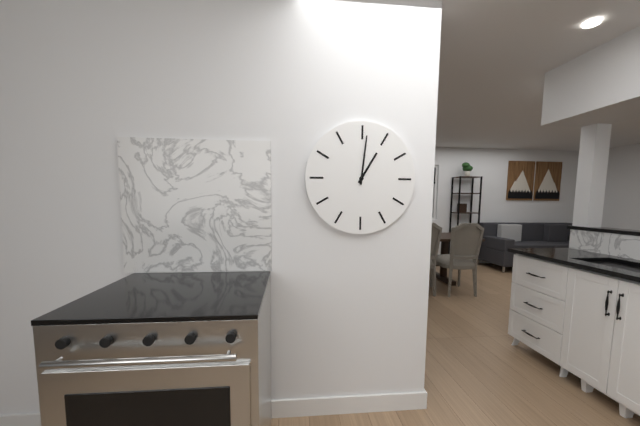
1:01
